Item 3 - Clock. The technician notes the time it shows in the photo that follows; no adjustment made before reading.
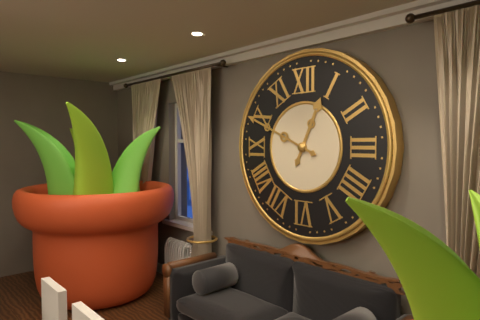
12:49
